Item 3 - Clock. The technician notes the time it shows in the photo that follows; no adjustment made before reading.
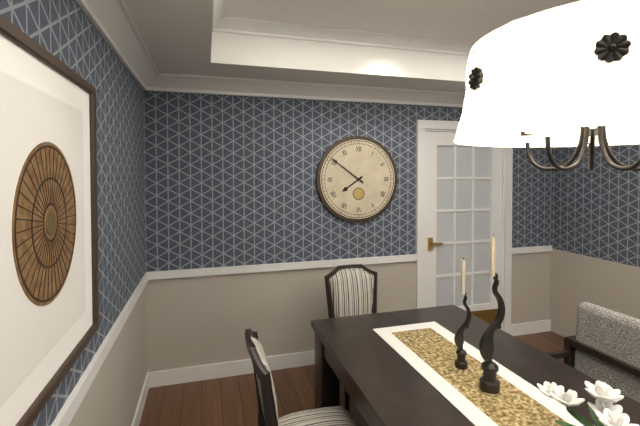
7:51
